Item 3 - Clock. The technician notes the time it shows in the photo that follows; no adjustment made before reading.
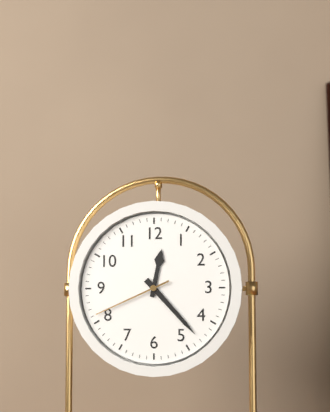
12:23:41
